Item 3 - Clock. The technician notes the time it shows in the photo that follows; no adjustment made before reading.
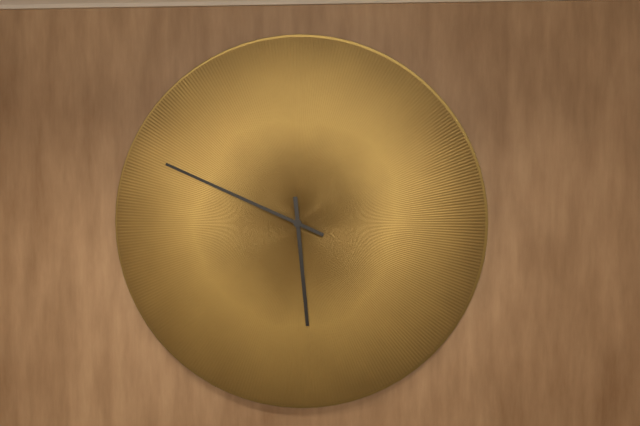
5:49
